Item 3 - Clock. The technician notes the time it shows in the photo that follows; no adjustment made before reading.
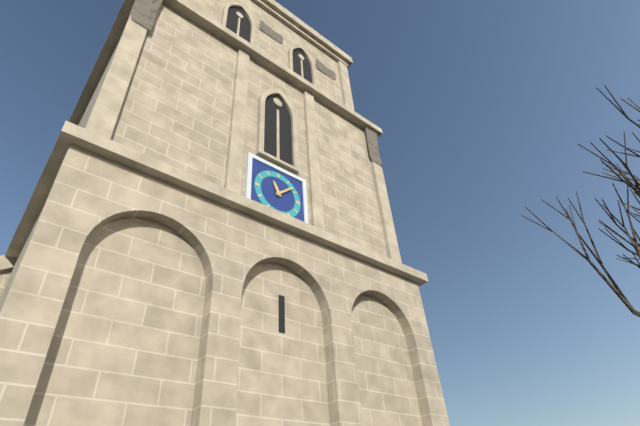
11:08
